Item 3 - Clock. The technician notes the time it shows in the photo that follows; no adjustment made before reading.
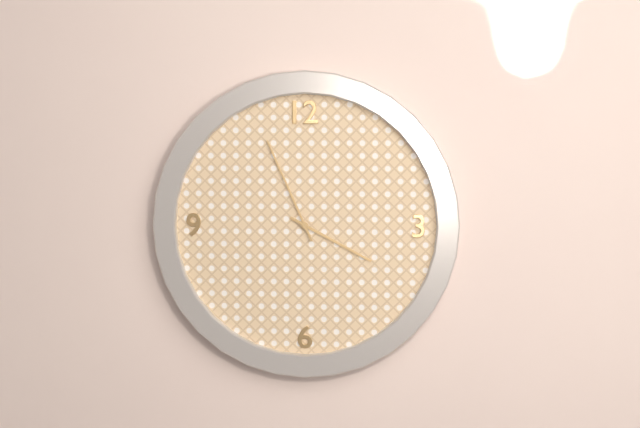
3:56
